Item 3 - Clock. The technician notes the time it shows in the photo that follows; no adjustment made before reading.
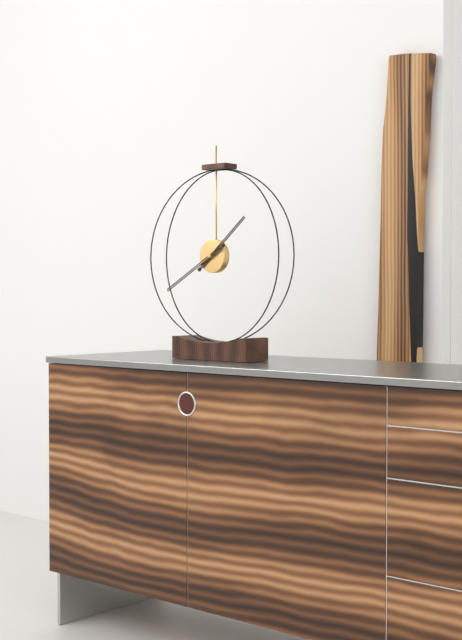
1:40
